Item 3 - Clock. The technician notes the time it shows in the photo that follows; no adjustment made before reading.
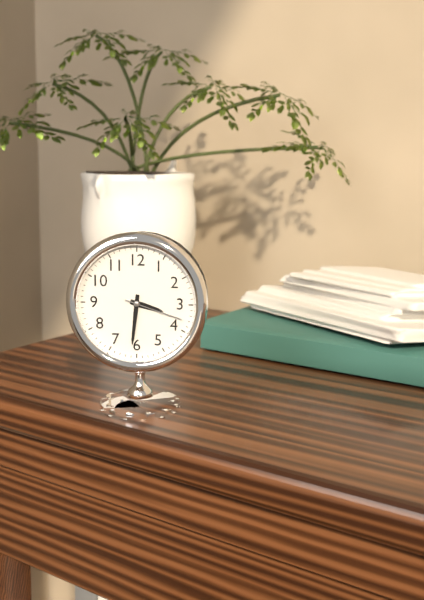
3:31:18
